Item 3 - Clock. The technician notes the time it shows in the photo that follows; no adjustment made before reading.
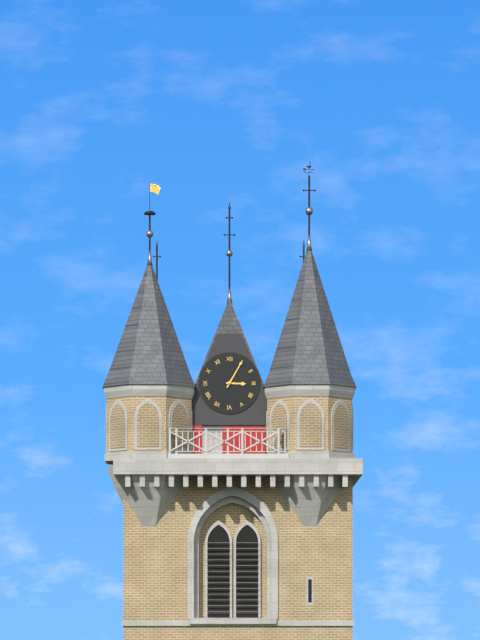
3:05
